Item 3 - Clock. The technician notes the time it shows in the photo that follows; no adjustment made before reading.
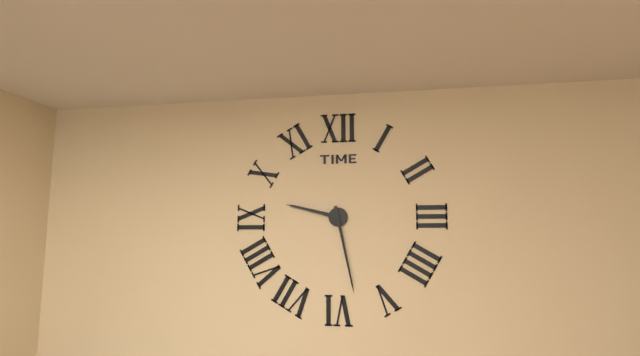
9:28
